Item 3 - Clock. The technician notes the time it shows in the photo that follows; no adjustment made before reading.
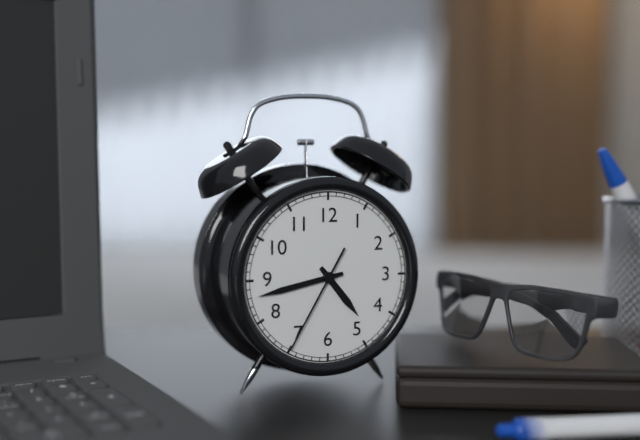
4:43:35
